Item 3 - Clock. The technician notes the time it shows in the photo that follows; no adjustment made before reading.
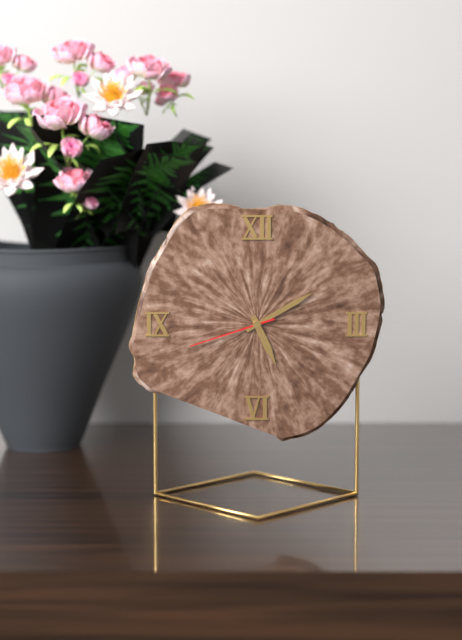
5:10:42
